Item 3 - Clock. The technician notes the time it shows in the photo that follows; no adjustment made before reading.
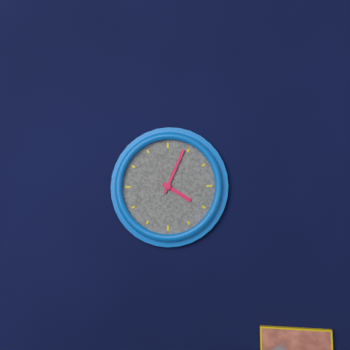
4:04
